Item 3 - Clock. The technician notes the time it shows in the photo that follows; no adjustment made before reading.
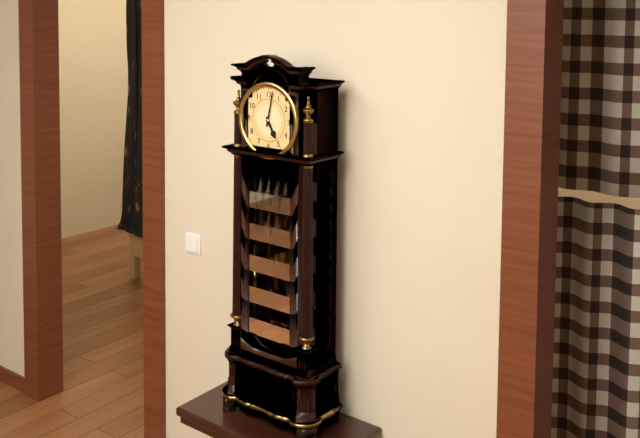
5:02
